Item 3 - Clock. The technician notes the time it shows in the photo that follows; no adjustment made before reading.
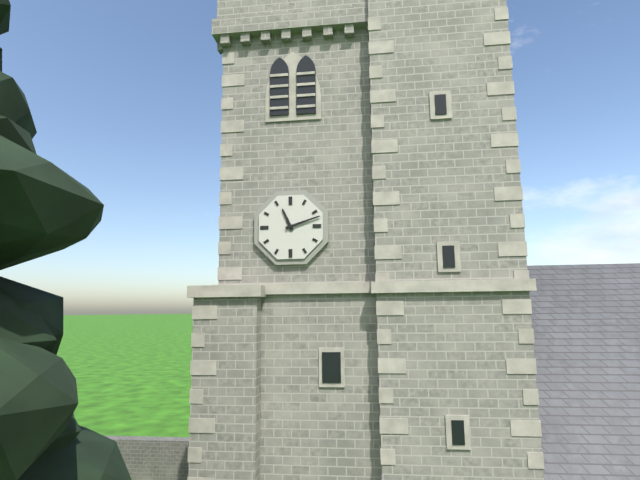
11:12
